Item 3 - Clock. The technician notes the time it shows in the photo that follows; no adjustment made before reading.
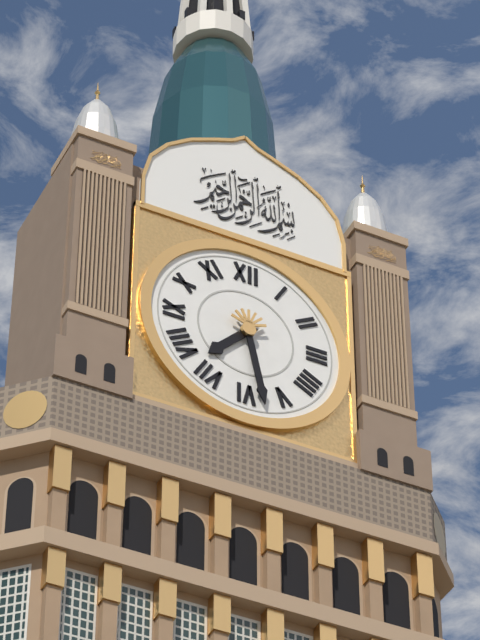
7:28
